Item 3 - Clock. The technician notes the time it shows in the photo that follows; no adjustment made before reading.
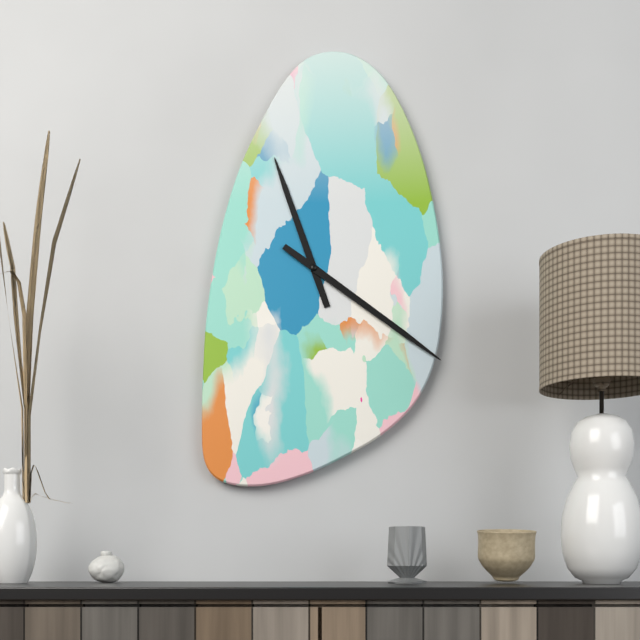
11:21
